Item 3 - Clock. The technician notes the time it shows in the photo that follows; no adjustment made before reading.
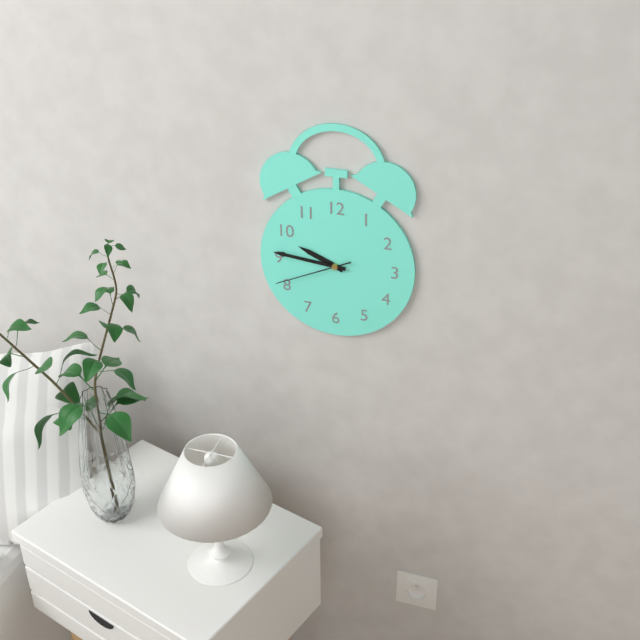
9:46:41
